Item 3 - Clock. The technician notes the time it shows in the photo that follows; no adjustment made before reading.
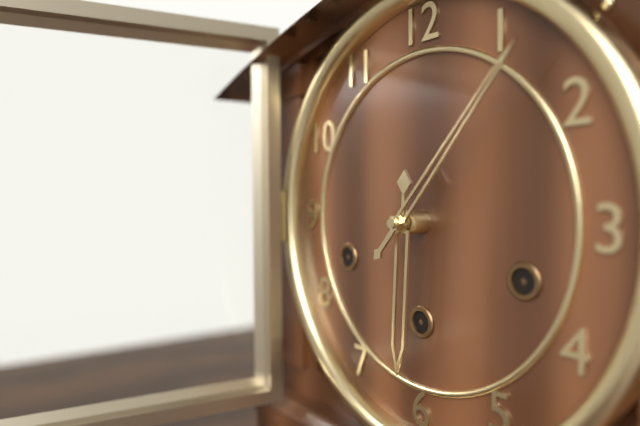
6:07
